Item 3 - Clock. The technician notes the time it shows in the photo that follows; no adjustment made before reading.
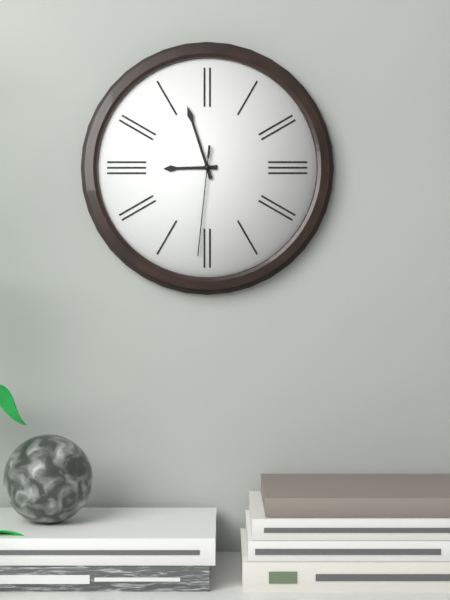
8:57:31
